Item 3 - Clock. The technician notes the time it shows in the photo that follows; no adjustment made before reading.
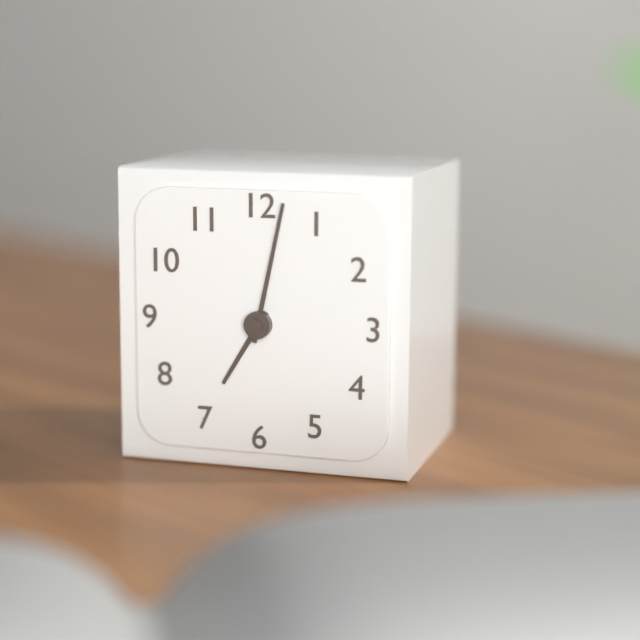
7:02
